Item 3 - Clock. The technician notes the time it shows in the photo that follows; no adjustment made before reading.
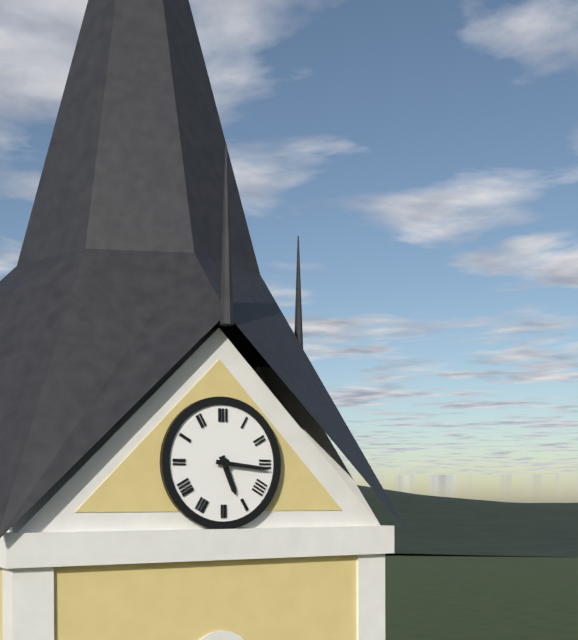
5:16
